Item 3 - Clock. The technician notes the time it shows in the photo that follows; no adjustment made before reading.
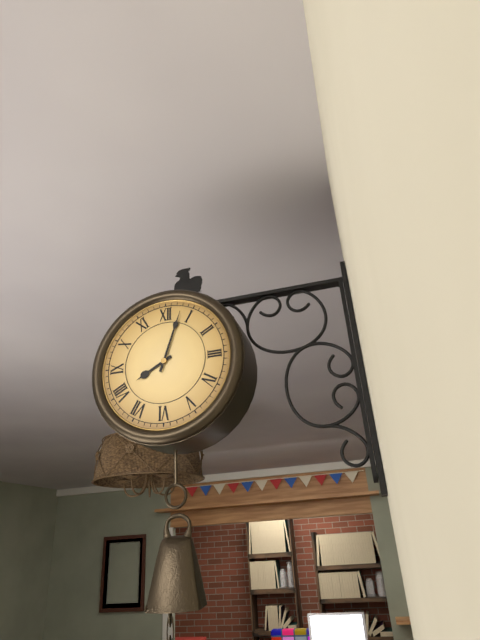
8:03
